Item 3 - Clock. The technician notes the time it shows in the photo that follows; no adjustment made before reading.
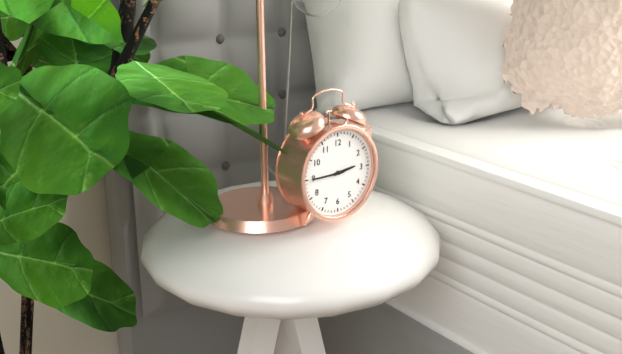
2:45
